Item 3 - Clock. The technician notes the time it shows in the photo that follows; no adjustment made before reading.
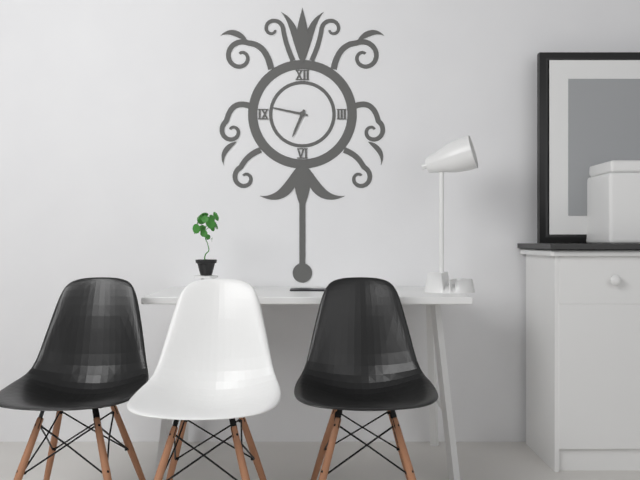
6:47
